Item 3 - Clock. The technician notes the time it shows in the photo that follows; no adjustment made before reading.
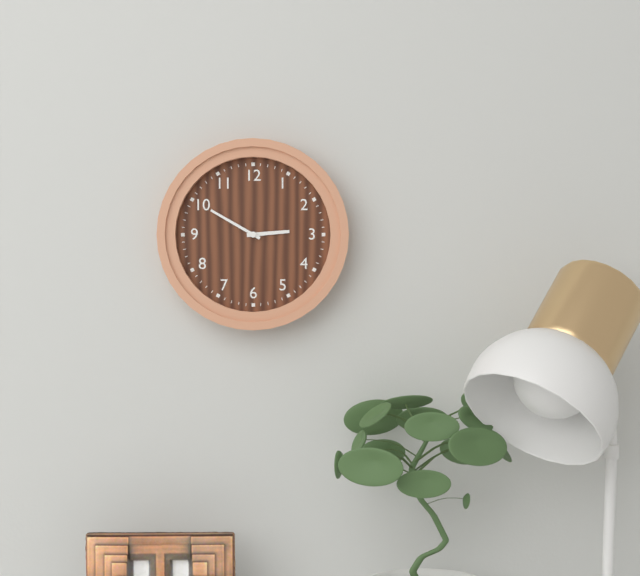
2:50
